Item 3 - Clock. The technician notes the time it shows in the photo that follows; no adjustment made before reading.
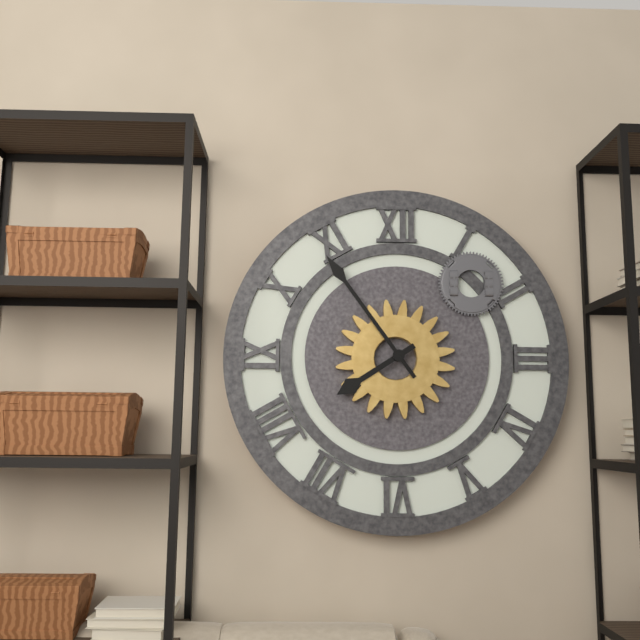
7:54
